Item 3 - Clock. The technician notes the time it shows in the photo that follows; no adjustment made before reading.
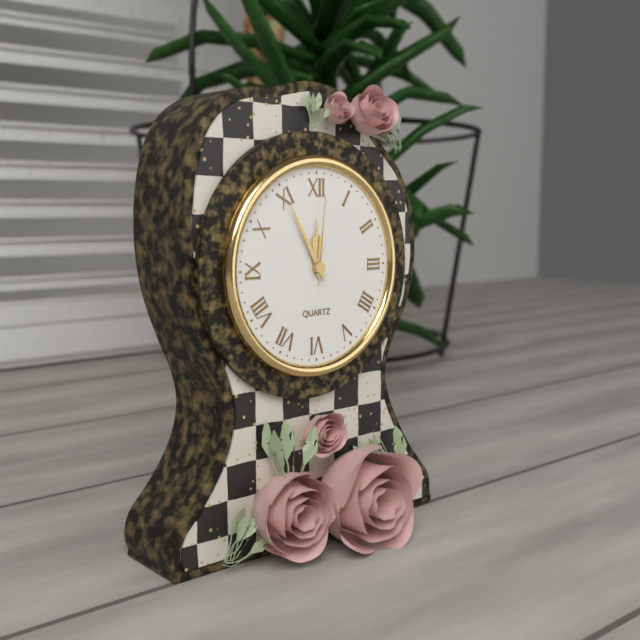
11:55:01
